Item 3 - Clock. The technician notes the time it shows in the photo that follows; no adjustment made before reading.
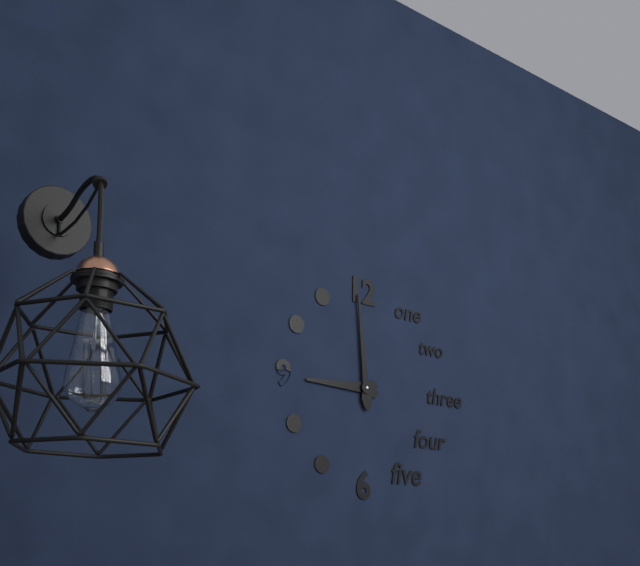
8:59
